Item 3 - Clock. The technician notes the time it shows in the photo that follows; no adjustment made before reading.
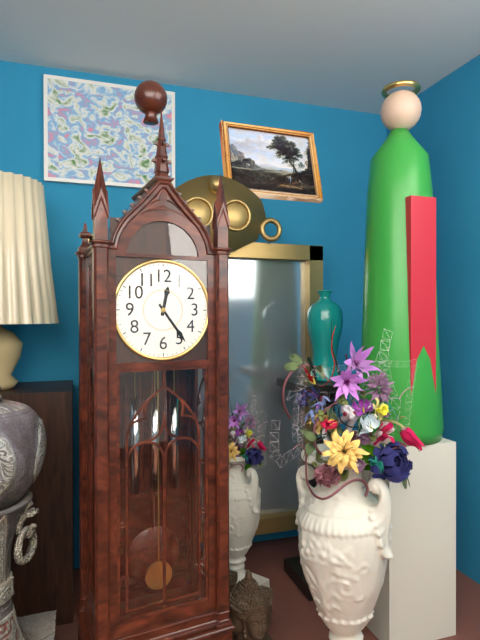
12:24
